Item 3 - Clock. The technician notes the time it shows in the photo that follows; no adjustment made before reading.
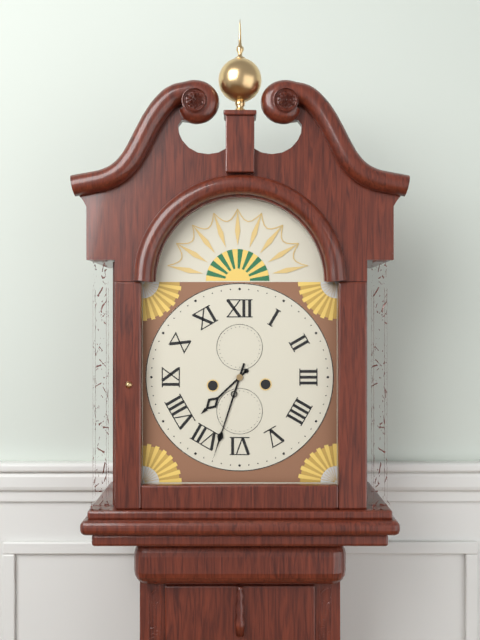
7:33
